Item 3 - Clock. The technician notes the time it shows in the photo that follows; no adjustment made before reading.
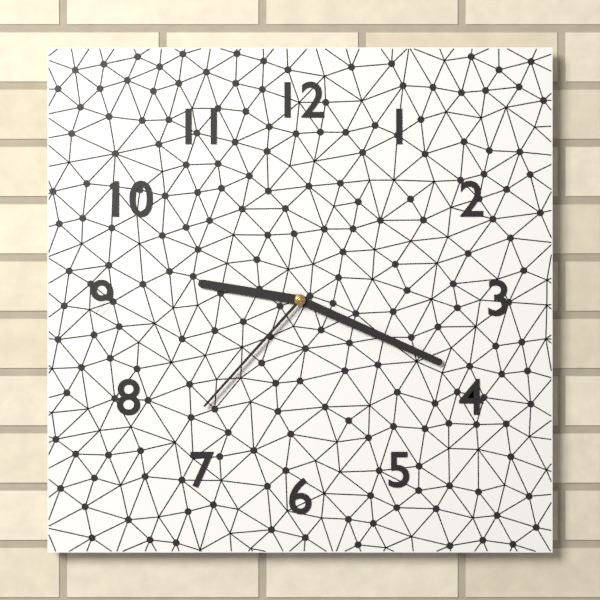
9:19:37
